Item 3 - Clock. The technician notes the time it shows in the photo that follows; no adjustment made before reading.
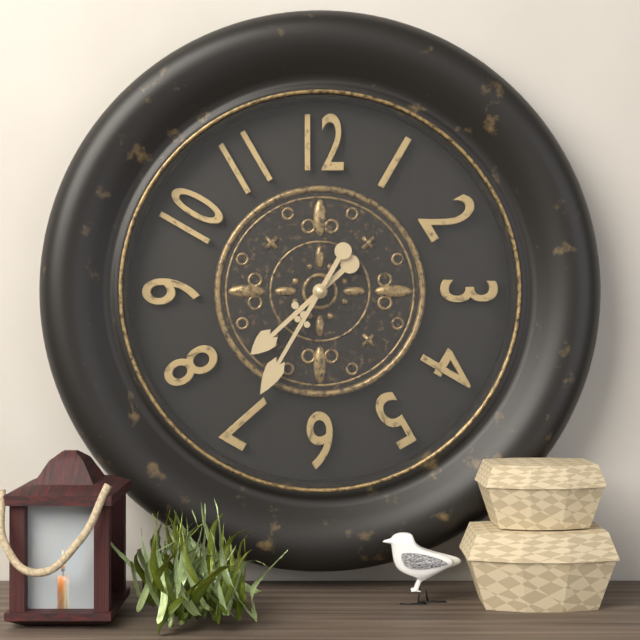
7:35
